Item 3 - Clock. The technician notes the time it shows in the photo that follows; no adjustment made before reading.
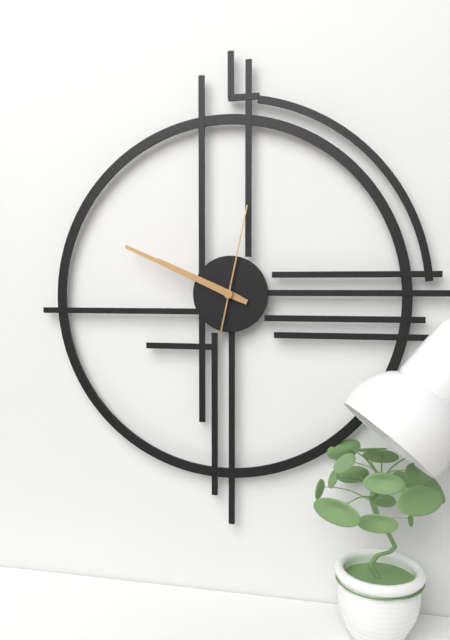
9:49:02
